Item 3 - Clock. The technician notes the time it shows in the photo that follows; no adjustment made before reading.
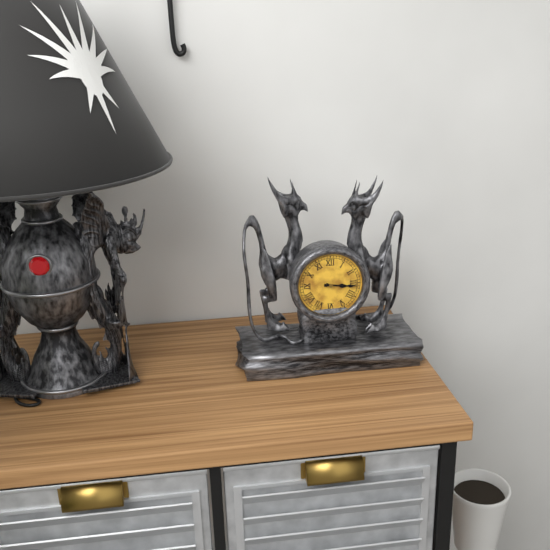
3:16
